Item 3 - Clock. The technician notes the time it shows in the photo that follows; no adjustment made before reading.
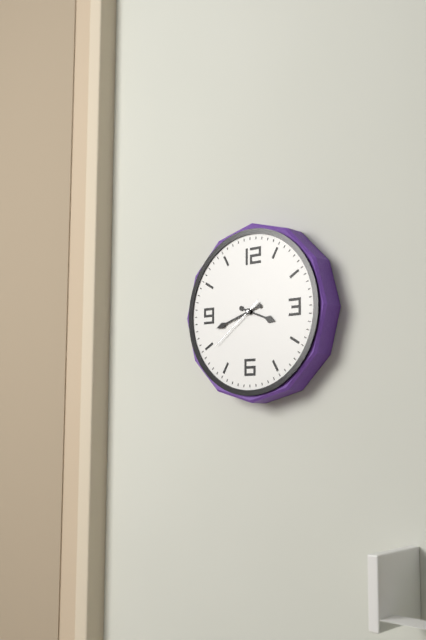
3:42:39
